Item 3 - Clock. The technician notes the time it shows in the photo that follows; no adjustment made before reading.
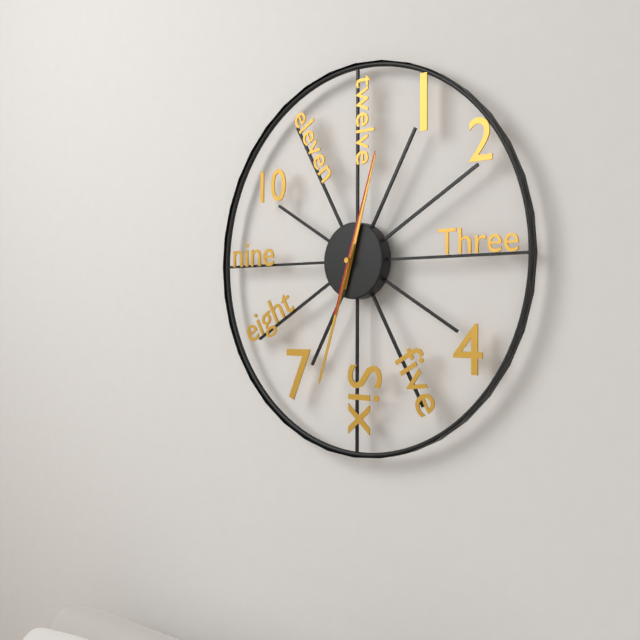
12:33:03
